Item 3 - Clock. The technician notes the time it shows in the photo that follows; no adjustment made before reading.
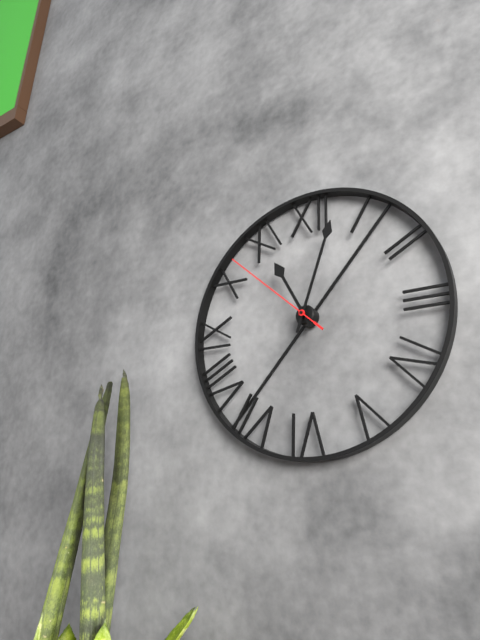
11:03:52
